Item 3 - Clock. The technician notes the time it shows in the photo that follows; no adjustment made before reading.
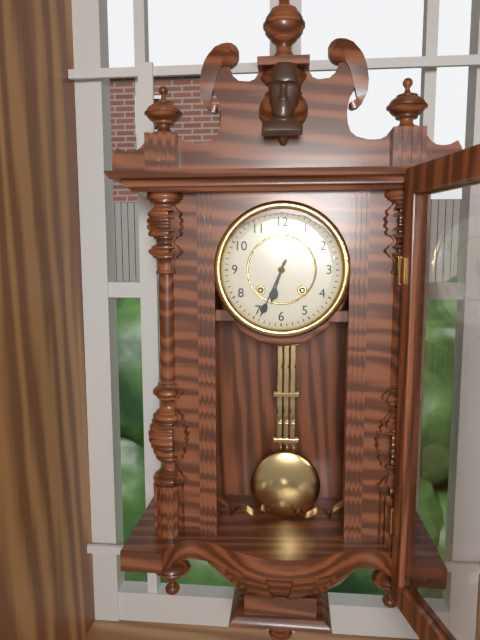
6:34
